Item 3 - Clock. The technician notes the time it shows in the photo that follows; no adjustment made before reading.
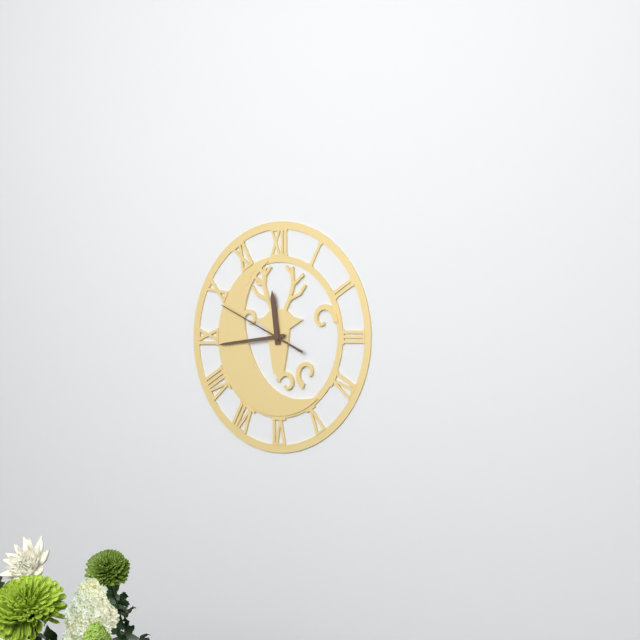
11:44:49
